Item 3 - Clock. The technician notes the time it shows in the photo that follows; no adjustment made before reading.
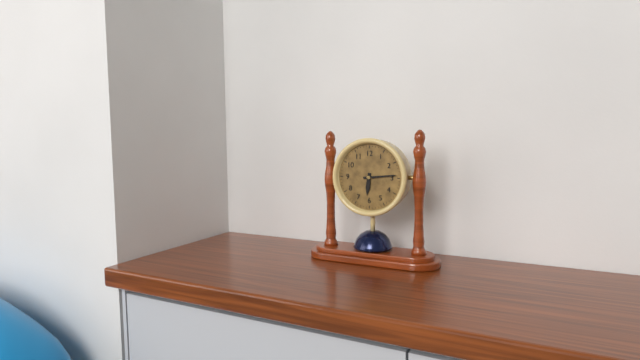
6:14
